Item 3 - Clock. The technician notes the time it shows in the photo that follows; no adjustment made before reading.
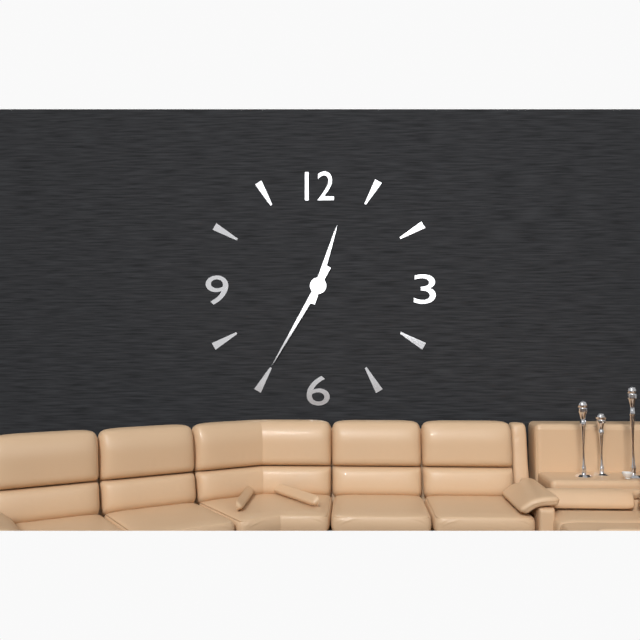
12:35
